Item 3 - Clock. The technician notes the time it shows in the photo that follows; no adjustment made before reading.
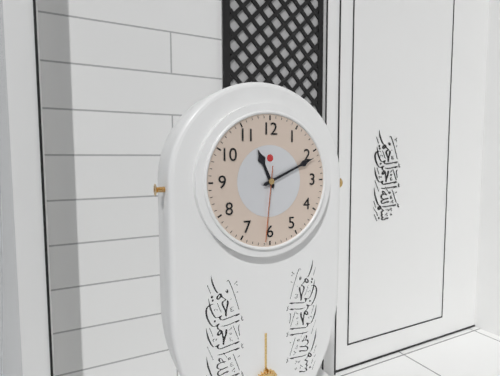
11:11:31
